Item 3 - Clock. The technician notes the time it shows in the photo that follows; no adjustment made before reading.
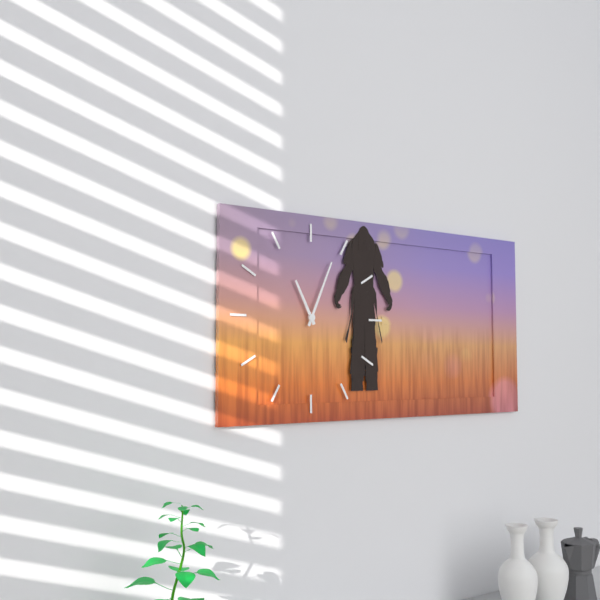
11:04
